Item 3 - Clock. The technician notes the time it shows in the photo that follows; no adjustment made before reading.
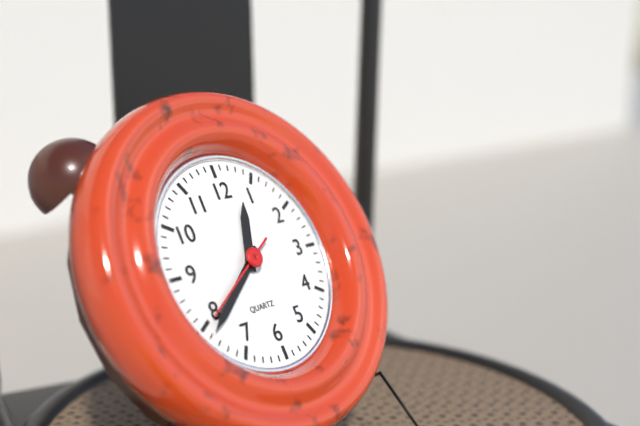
12:39:40
